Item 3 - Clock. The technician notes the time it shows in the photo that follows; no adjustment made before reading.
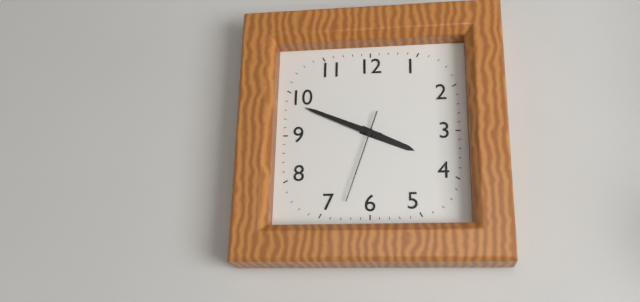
3:49:33
